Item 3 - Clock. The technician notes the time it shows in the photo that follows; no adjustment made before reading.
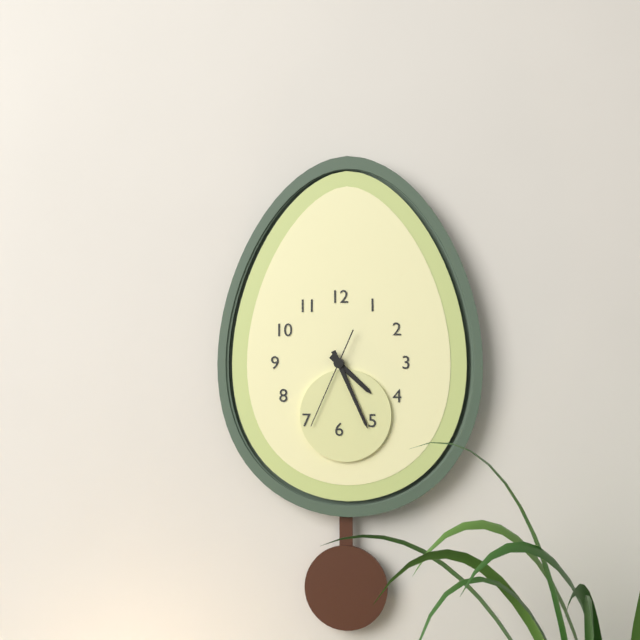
4:26:34
